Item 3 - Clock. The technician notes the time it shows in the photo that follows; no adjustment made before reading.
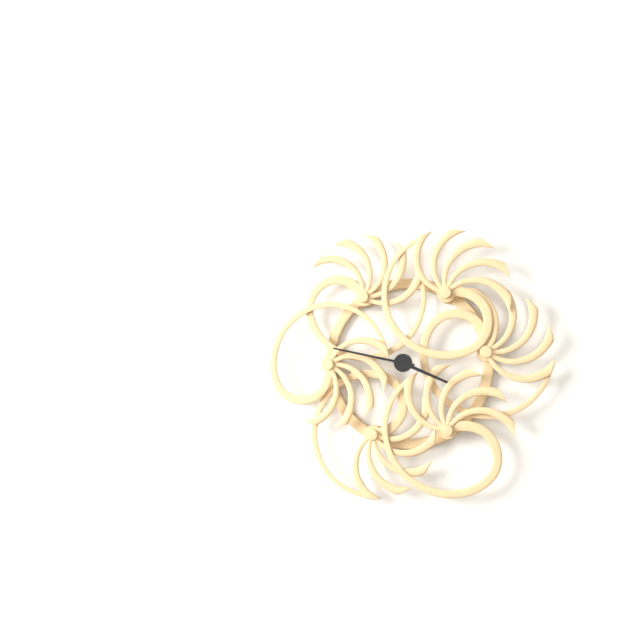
3:47
